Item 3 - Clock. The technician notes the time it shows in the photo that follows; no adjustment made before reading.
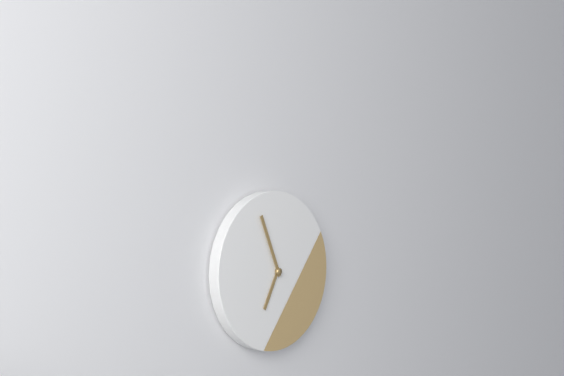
6:56
